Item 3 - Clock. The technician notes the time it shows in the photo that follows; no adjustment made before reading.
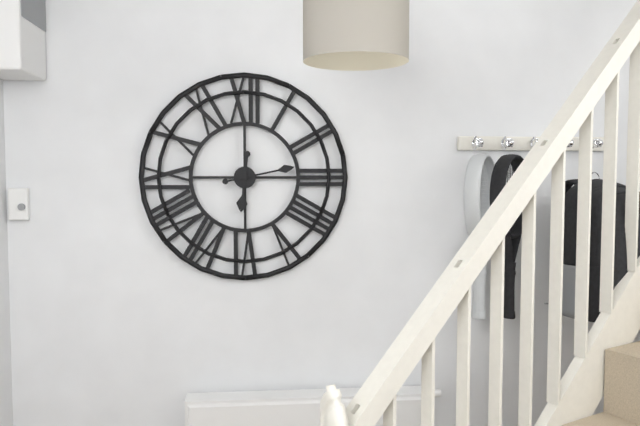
6:13
